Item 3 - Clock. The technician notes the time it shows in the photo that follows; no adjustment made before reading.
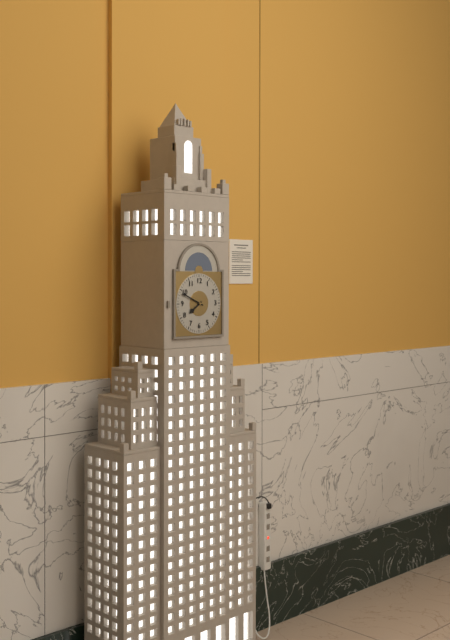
7:49
